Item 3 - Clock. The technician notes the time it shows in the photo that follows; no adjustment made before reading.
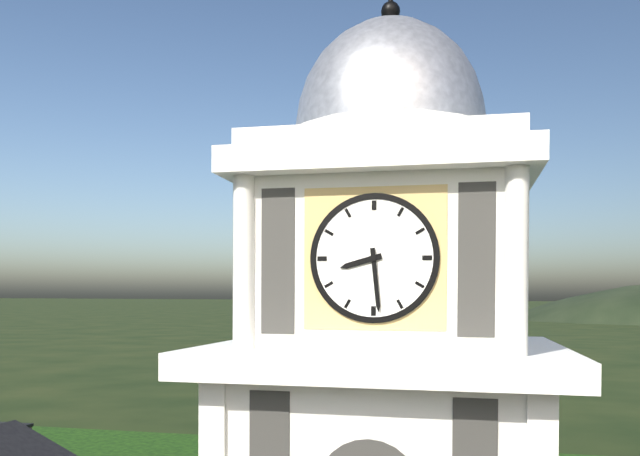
8:29
